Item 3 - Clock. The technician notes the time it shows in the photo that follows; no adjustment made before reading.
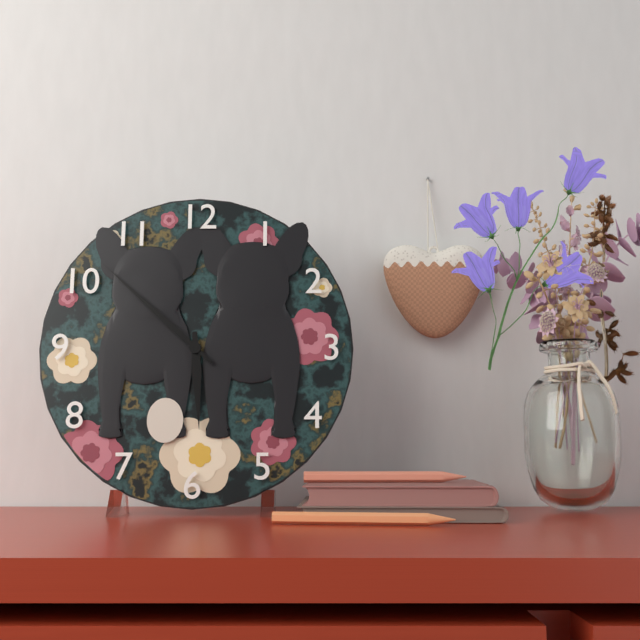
5:52
